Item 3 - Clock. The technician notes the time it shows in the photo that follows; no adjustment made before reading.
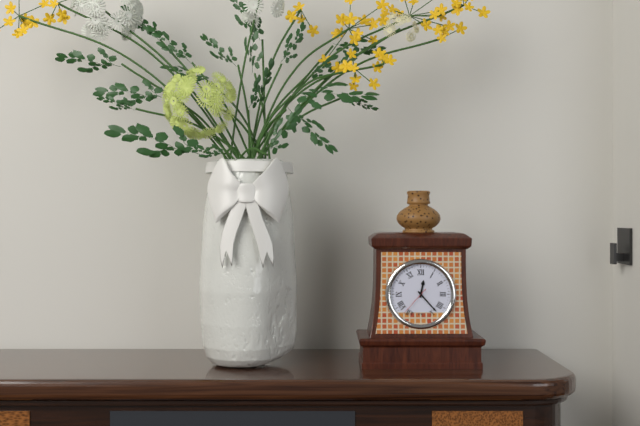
12:23
